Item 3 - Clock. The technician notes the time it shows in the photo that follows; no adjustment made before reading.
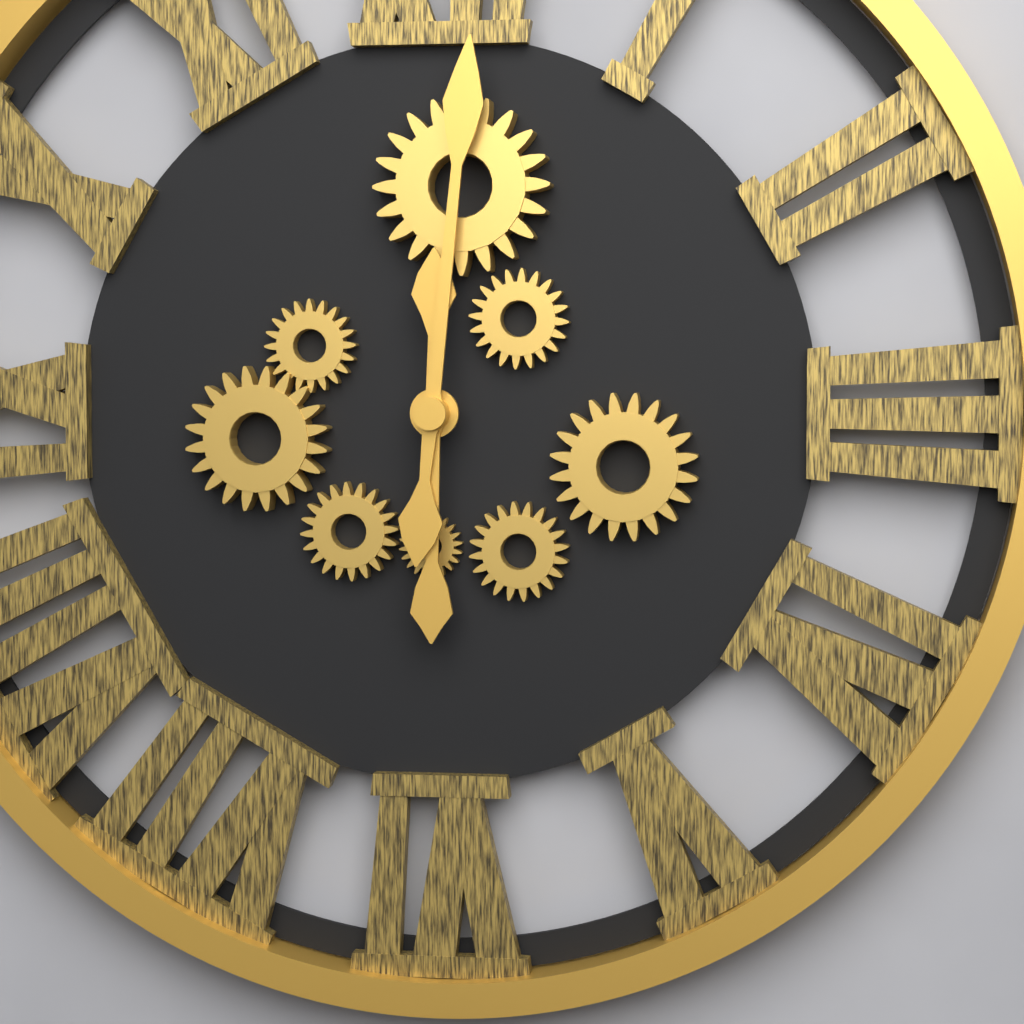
6:01
